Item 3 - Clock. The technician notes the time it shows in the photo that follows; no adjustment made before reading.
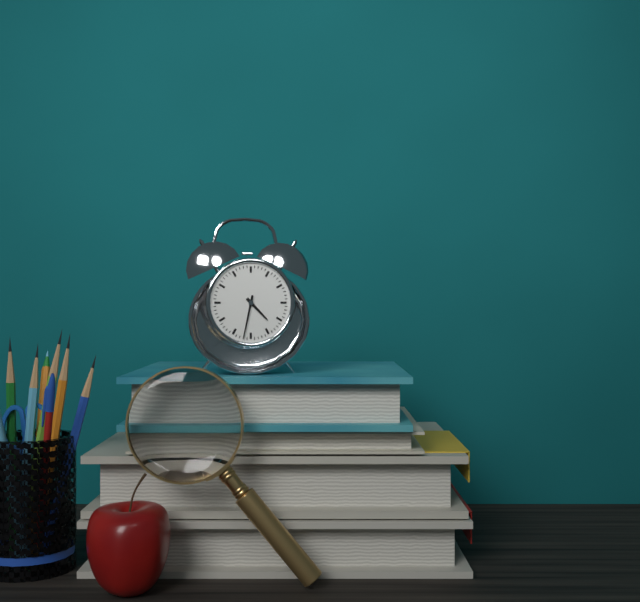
4:32
